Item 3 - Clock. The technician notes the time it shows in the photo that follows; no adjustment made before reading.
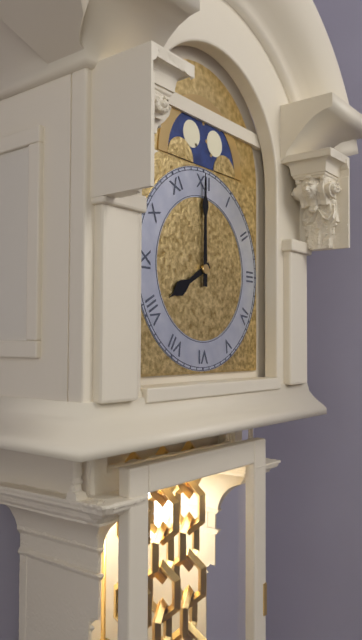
8:00
